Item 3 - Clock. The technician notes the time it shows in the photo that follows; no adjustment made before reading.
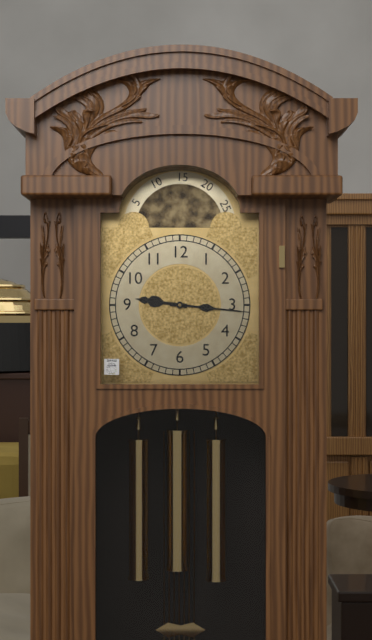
9:16
